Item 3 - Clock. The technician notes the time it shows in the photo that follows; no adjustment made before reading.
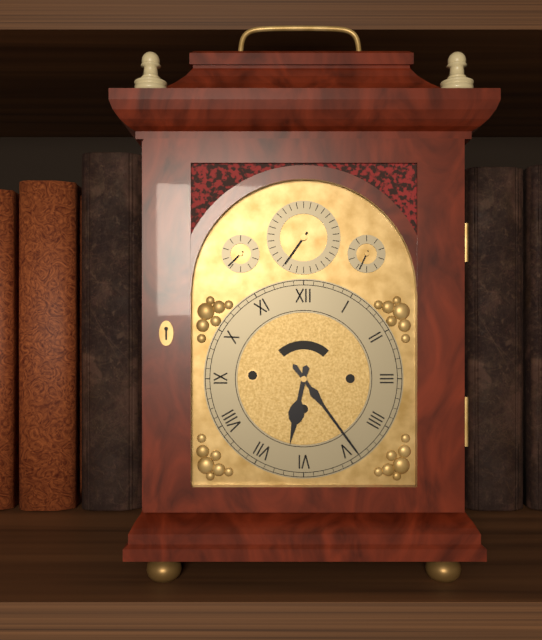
6:24
